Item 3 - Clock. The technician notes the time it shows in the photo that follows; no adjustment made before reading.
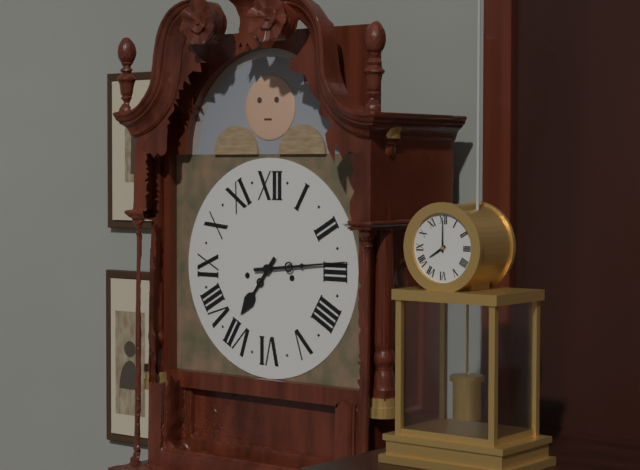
7:14
